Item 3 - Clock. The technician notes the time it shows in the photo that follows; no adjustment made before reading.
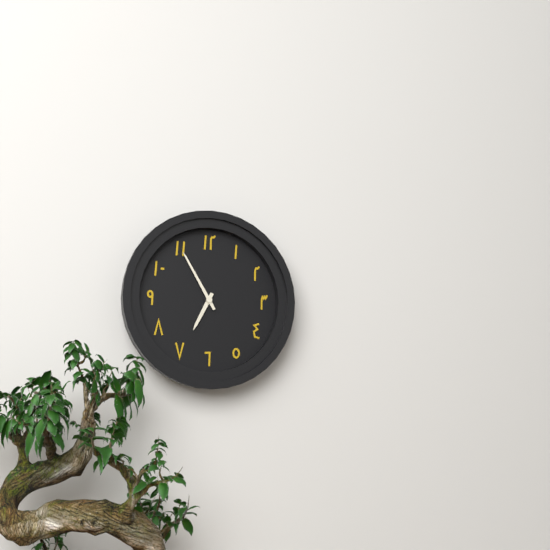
6:55
